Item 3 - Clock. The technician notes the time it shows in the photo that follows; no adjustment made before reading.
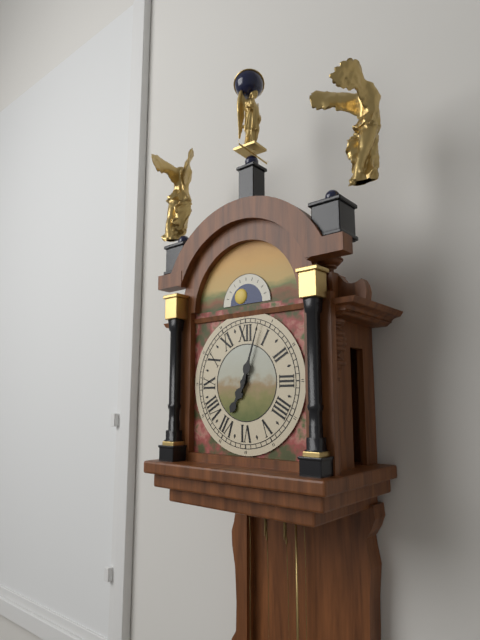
7:03
